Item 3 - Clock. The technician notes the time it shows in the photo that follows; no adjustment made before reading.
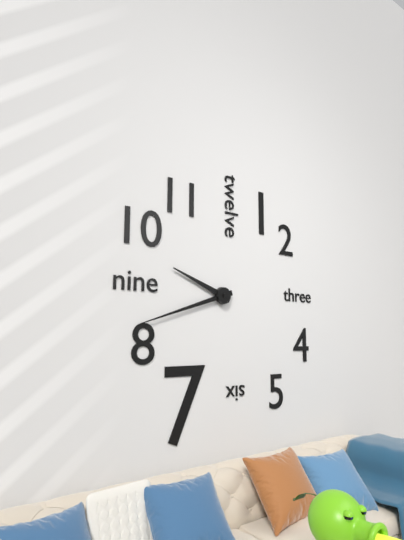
9:42
